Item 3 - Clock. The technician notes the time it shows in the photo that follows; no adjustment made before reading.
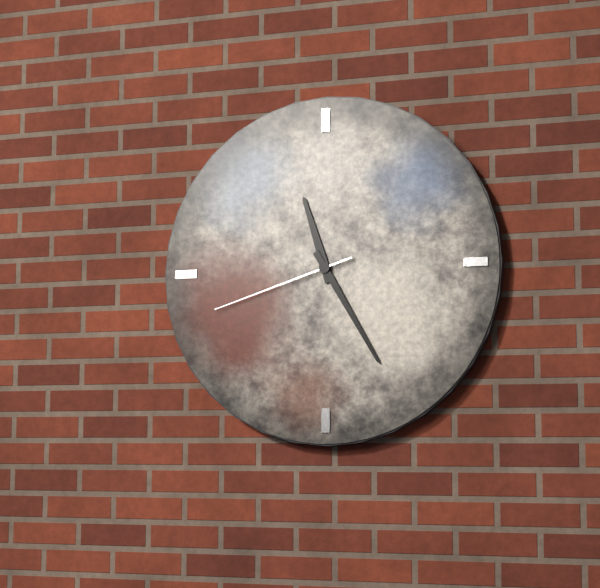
11:25:42
